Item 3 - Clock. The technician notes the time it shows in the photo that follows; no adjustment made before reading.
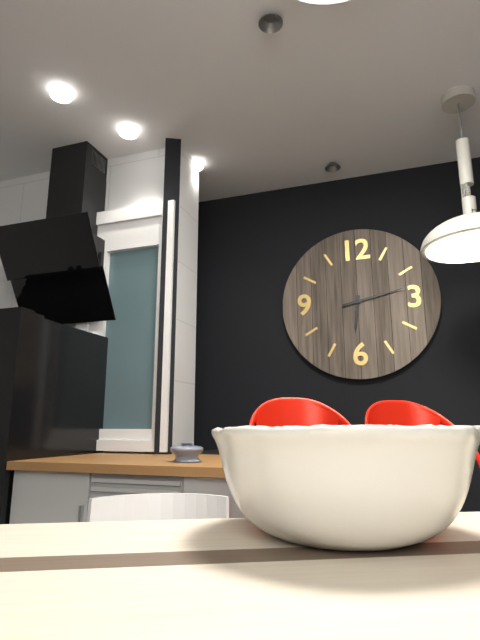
6:13
